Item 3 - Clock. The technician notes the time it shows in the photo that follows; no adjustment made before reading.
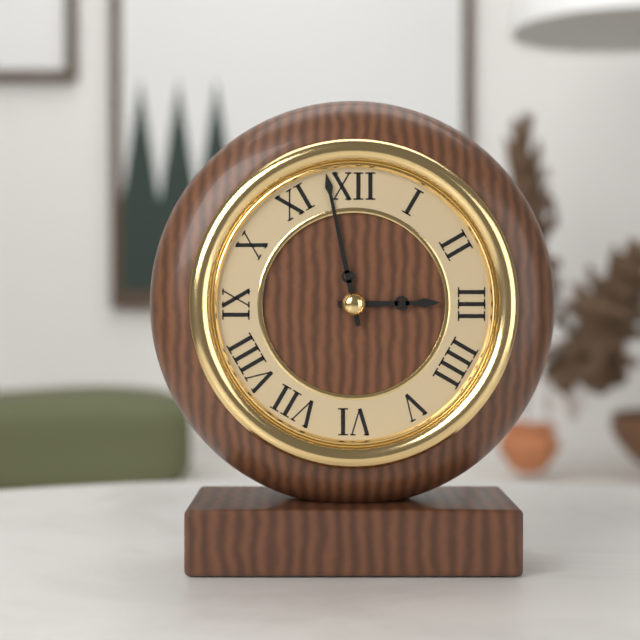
2:58
